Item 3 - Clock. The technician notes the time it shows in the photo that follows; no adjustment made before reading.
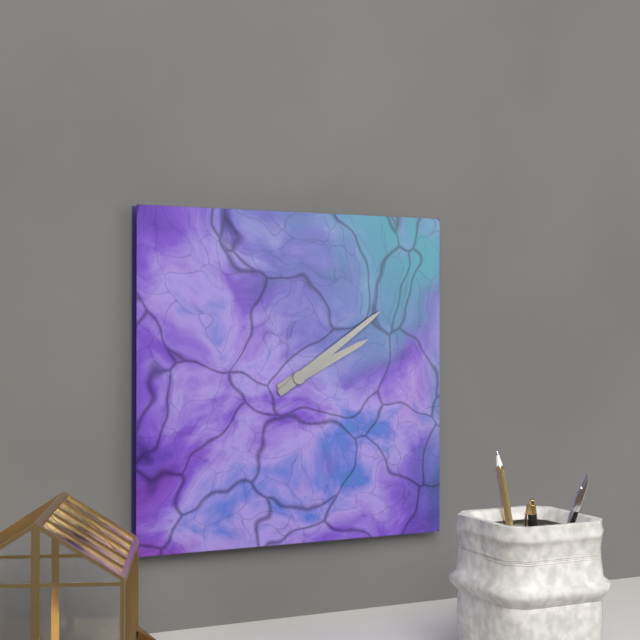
2:09
